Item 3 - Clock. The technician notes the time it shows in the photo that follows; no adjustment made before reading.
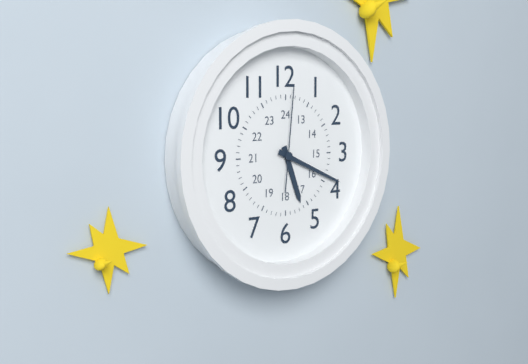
5:19:01
